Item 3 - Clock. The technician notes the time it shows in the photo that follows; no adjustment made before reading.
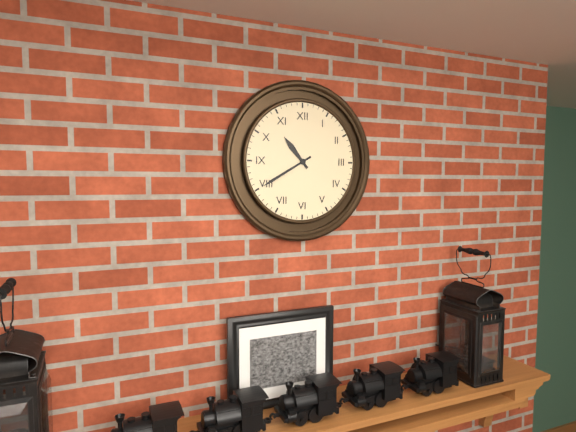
10:40
